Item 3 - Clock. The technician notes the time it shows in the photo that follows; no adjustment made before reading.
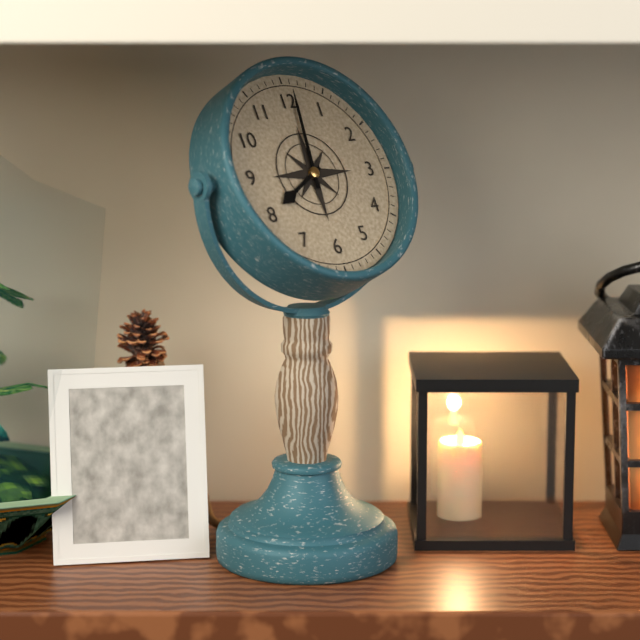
8:01
